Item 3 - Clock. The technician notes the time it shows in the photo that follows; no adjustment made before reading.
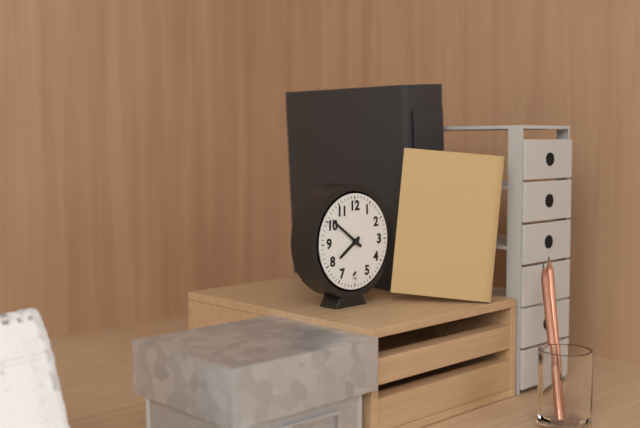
7:51
